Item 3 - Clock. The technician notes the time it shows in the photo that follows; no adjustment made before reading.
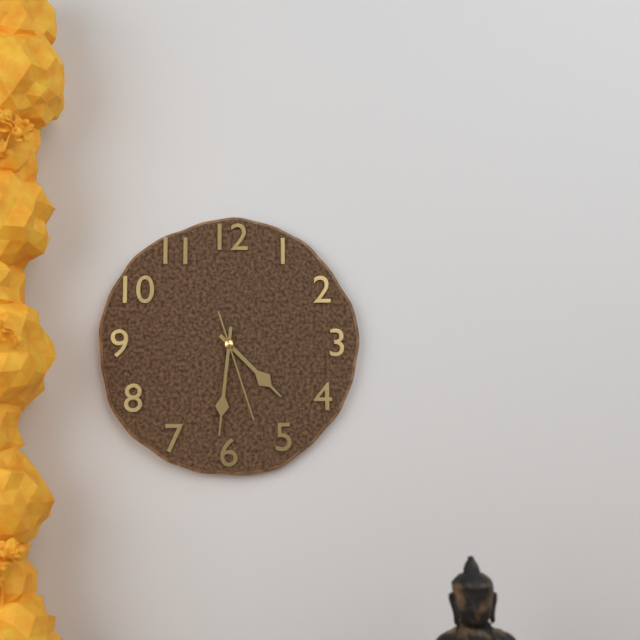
4:31:27
